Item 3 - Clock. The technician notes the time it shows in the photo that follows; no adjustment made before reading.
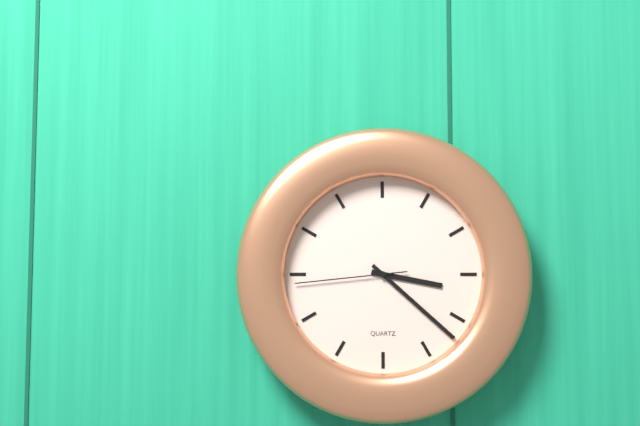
3:22:44
